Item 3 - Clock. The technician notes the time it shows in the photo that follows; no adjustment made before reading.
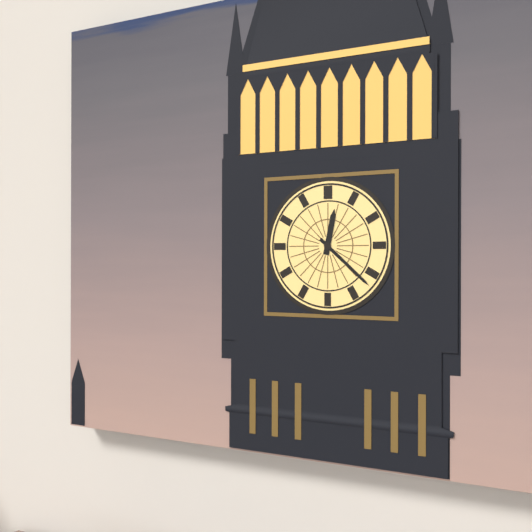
12:22
